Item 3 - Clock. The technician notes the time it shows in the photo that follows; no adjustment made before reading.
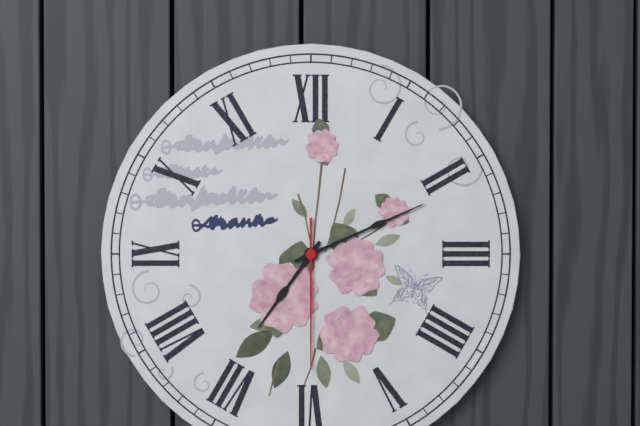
7:11:30
